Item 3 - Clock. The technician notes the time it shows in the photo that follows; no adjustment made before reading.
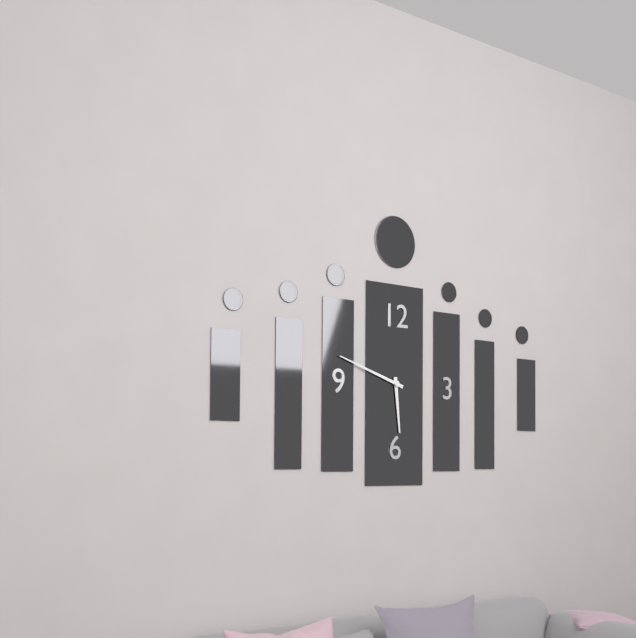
5:48
